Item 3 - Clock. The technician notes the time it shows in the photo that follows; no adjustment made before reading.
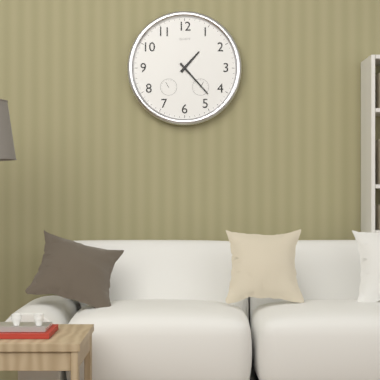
1:23
